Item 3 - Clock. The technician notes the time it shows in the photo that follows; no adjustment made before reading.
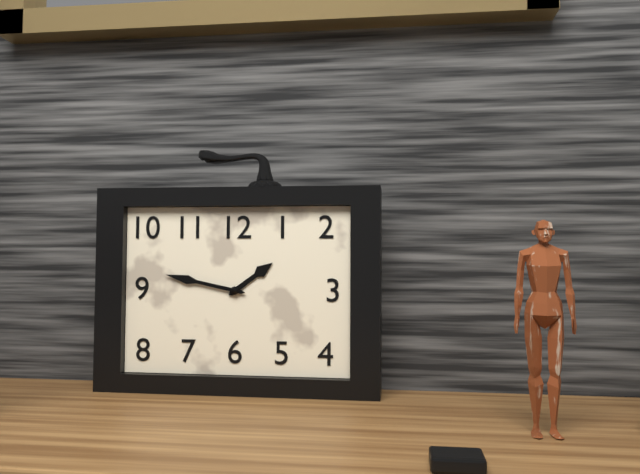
1:47
